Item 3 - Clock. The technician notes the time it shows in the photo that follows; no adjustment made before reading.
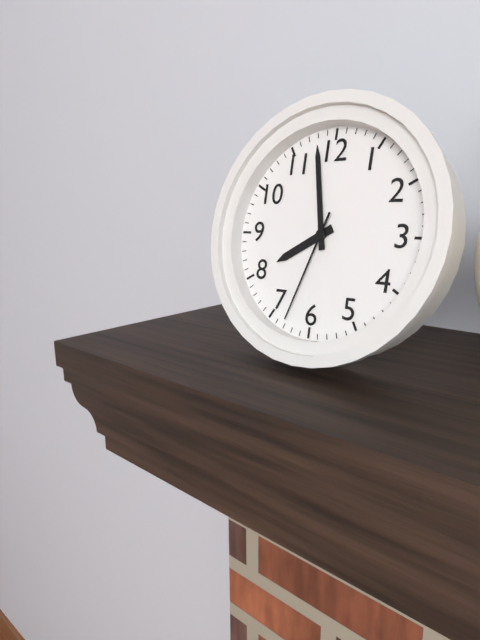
7:58:33
